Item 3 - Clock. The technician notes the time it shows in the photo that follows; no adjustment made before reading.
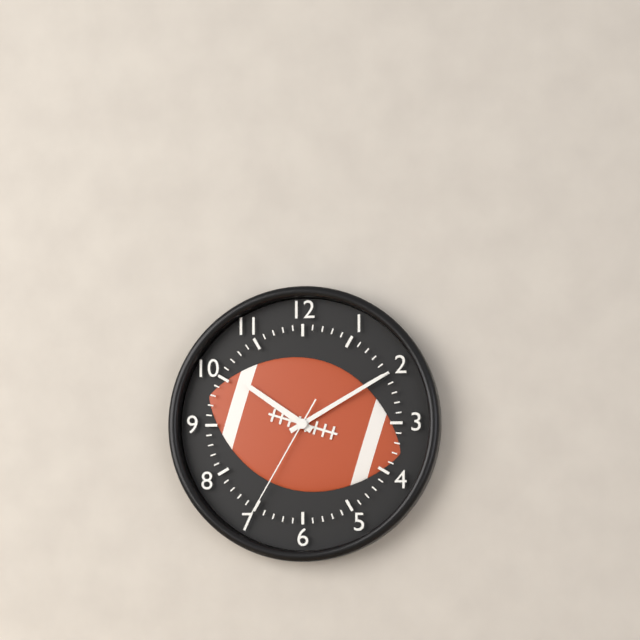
10:10:35
